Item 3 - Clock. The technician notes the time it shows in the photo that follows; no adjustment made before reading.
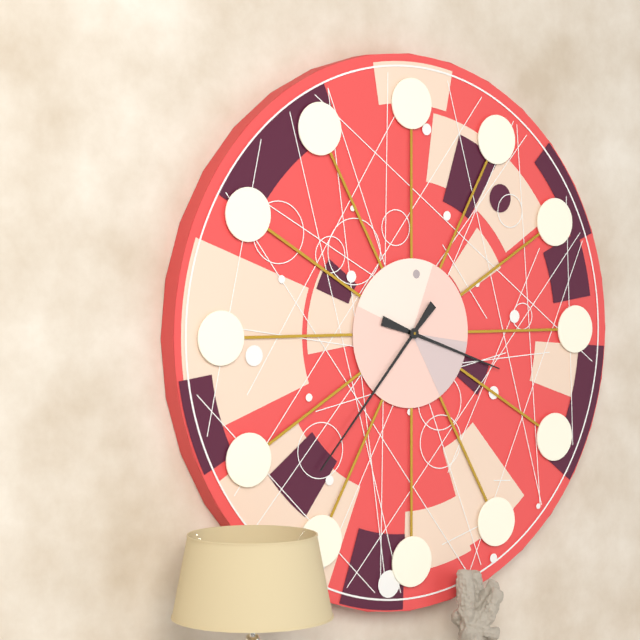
3:37
